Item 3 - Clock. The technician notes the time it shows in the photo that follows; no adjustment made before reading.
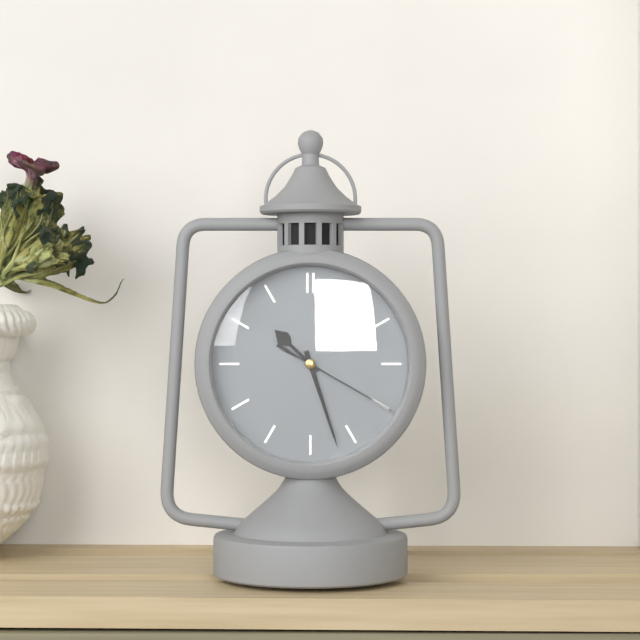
10:27:20
